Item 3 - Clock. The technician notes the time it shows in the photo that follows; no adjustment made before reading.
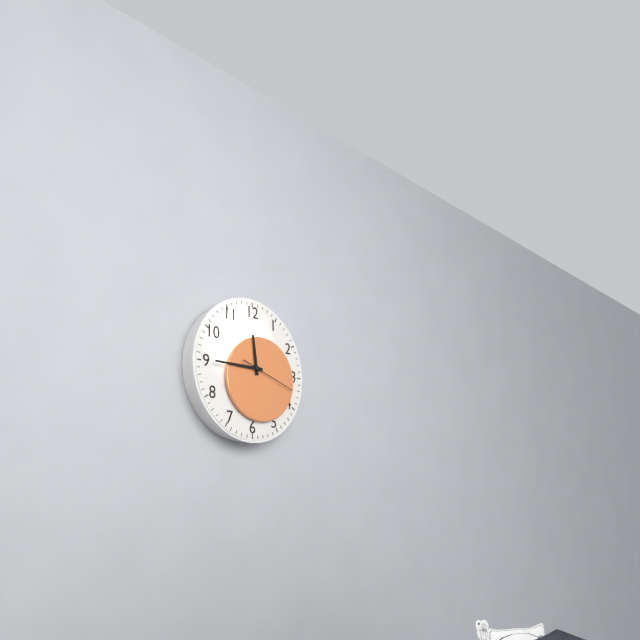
11:45:18
